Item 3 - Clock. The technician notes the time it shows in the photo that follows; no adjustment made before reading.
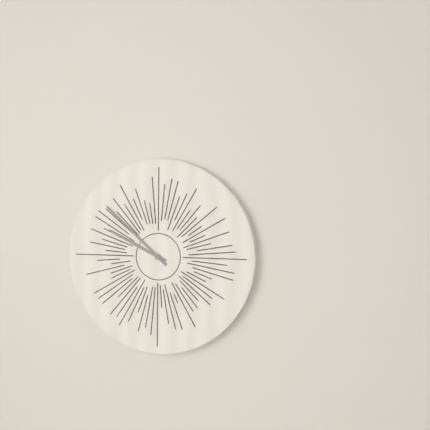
9:52
